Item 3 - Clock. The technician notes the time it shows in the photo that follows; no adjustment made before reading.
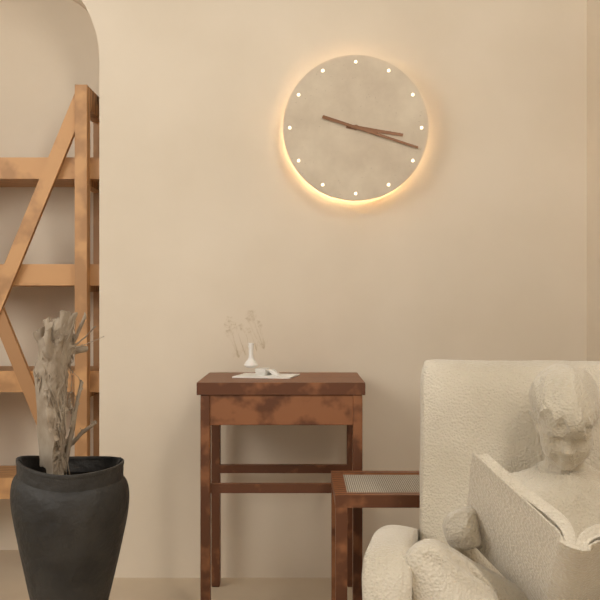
3:18
